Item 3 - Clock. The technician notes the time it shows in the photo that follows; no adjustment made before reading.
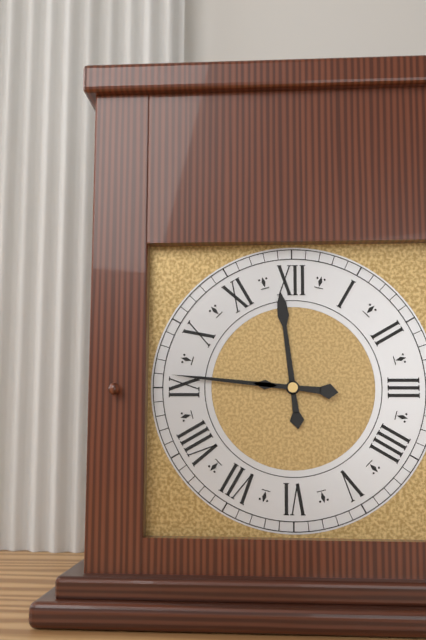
11:46
